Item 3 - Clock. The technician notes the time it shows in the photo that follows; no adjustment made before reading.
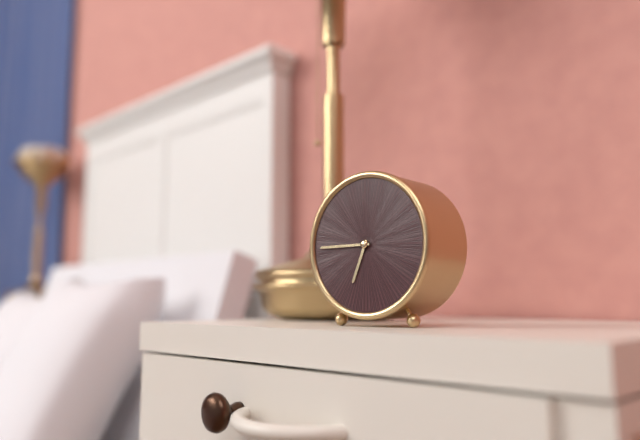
6:45
